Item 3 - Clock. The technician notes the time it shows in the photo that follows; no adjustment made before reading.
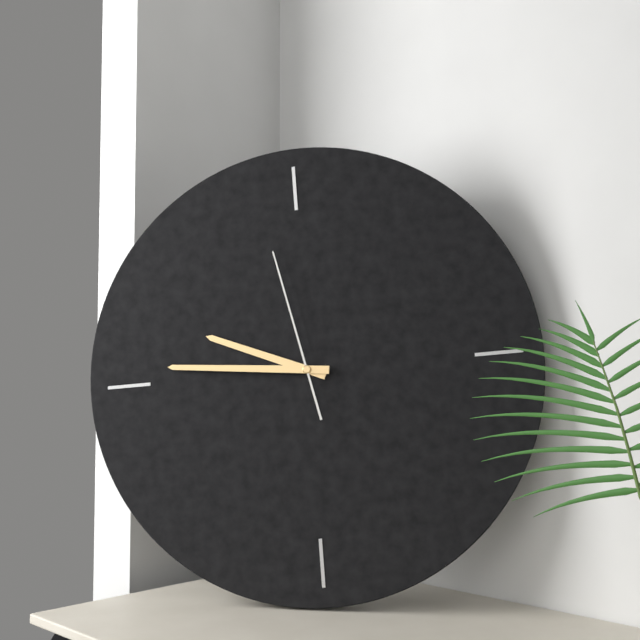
9:46:58
